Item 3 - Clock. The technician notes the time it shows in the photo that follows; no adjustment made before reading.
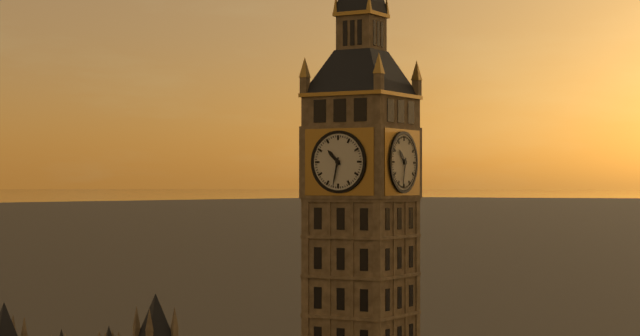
10:32
